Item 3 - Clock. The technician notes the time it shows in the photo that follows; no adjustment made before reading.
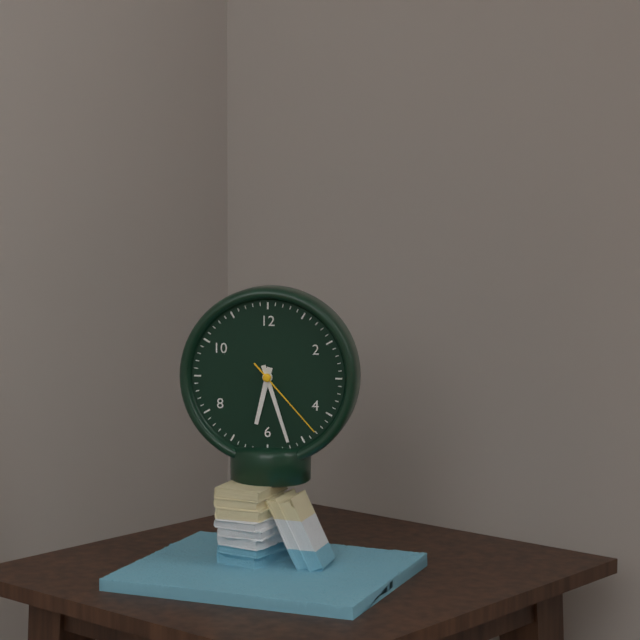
6:27:23
